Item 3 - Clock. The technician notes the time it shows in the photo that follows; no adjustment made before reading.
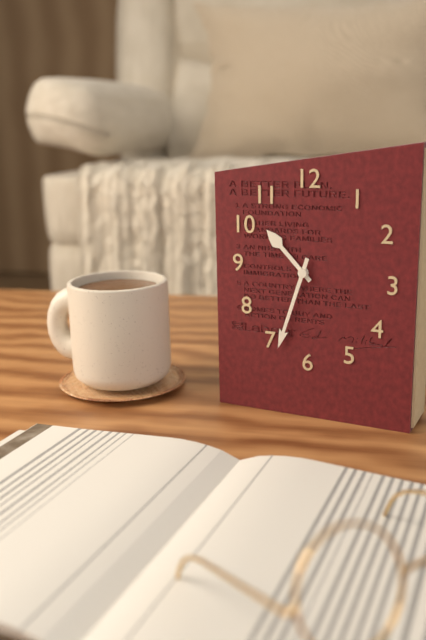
10:33
